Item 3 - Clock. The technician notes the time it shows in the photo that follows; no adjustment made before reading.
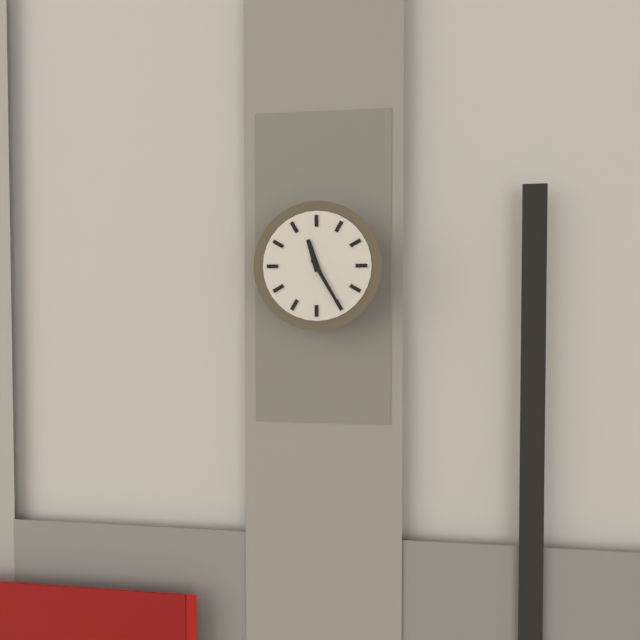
11:25
